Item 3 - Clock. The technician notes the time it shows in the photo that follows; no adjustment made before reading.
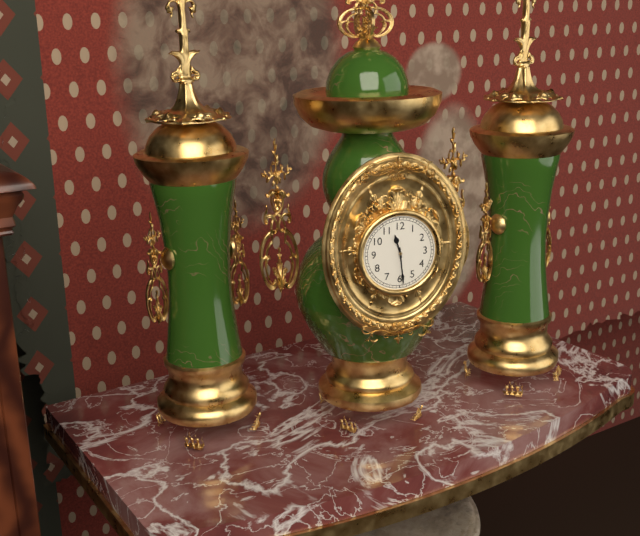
11:29
